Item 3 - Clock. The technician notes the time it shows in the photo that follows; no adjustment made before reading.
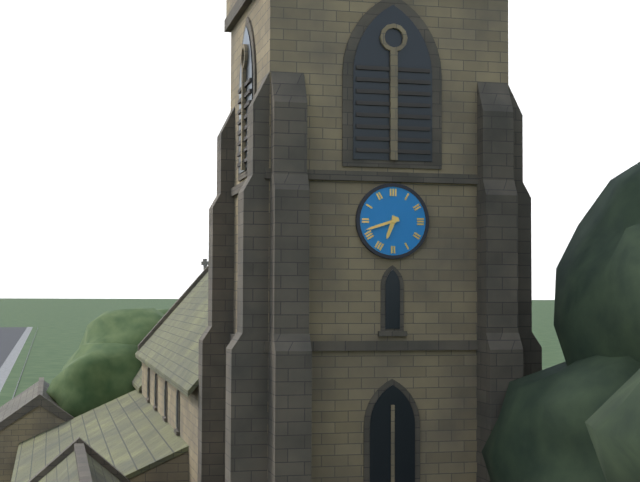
6:42
